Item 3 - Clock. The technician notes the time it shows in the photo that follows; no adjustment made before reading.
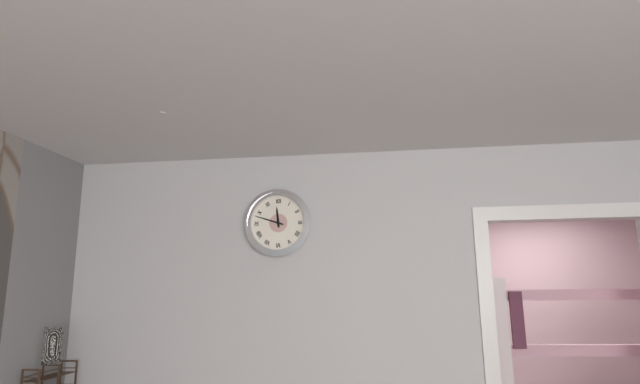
11:48
